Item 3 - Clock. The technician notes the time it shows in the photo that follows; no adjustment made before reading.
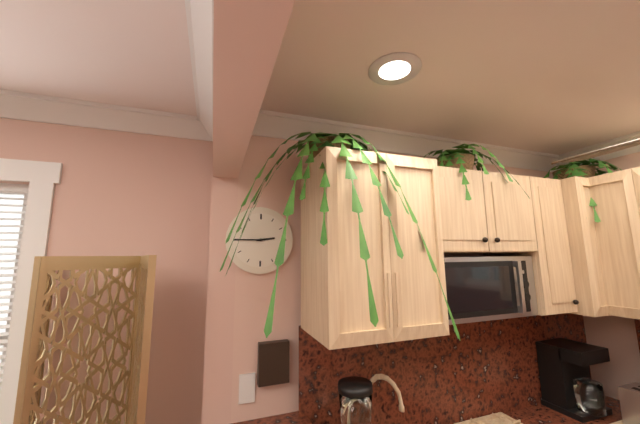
2:45
